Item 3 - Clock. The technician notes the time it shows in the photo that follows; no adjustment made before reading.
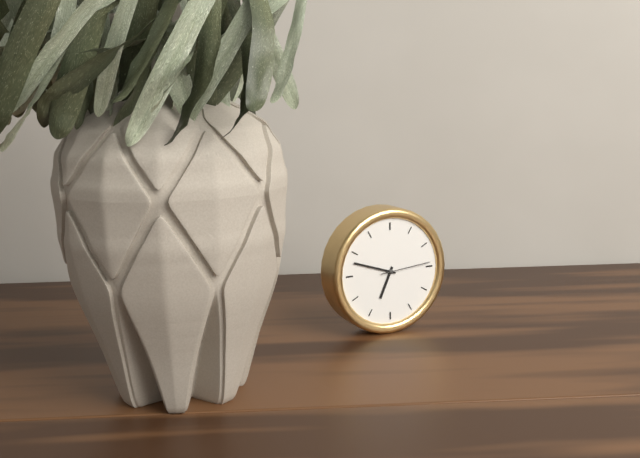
6:48:14
